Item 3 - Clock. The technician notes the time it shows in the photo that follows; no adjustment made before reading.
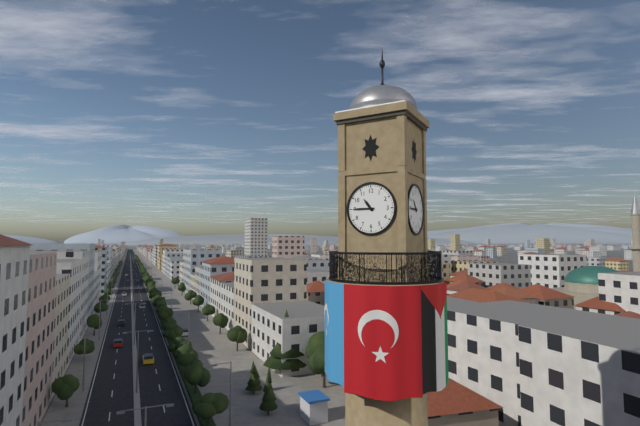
10:45
